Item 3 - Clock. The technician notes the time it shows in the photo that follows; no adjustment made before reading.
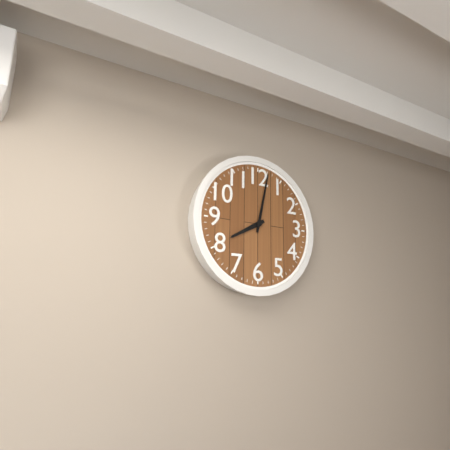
8:02
